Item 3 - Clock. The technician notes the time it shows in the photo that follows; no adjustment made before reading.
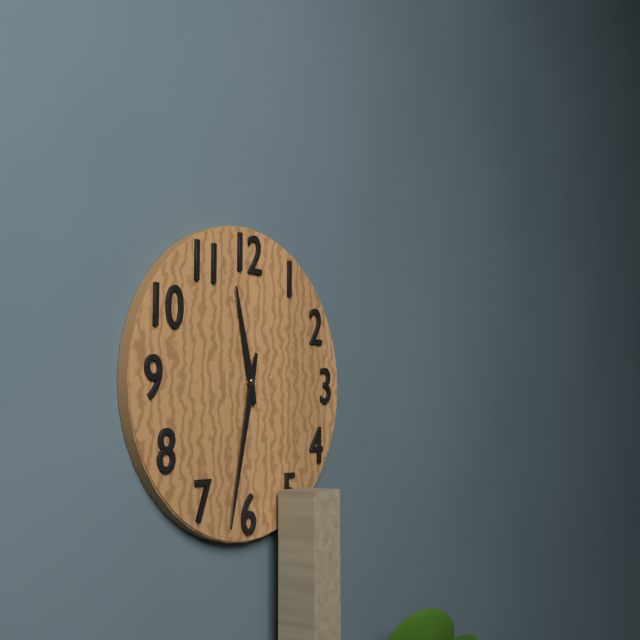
11:32
